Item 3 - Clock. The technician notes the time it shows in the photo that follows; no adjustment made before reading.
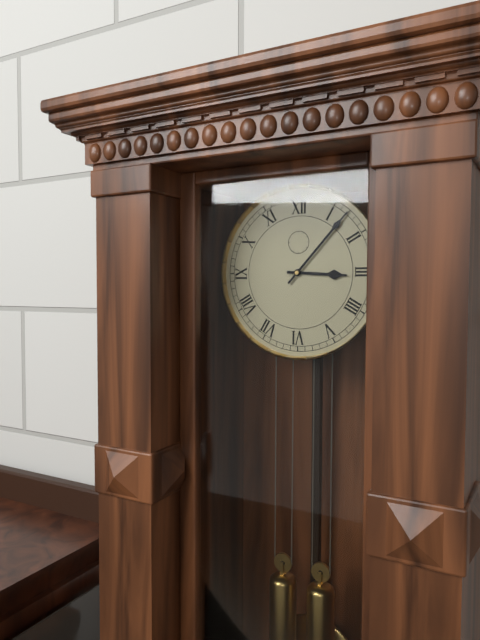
3:07
